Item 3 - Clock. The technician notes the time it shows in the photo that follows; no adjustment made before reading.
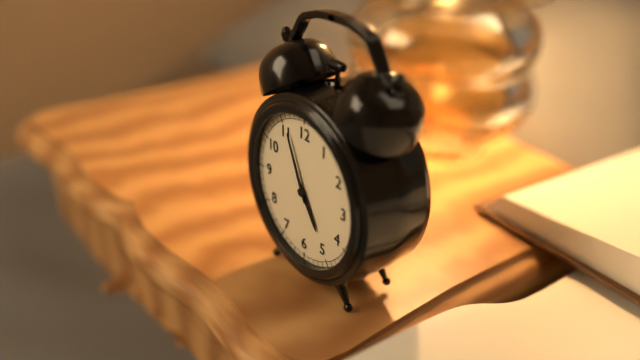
4:56
